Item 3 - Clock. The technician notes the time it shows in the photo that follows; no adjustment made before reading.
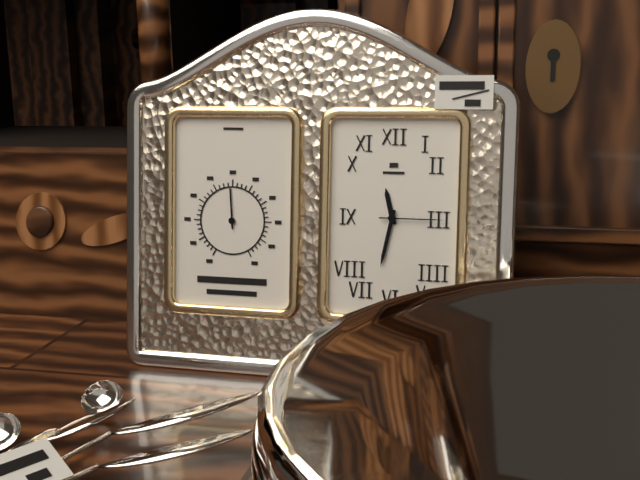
11:32:15
